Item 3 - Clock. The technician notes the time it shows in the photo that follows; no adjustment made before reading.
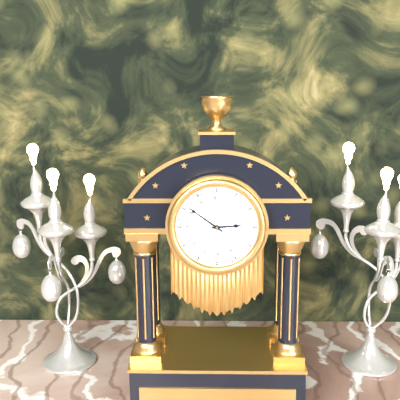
2:51
